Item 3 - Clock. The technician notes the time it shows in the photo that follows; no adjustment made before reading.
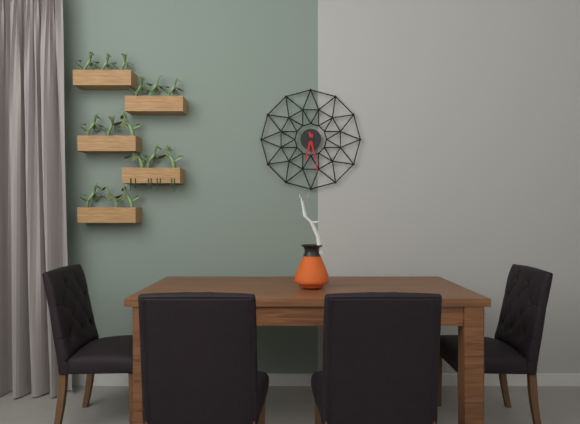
6:28
